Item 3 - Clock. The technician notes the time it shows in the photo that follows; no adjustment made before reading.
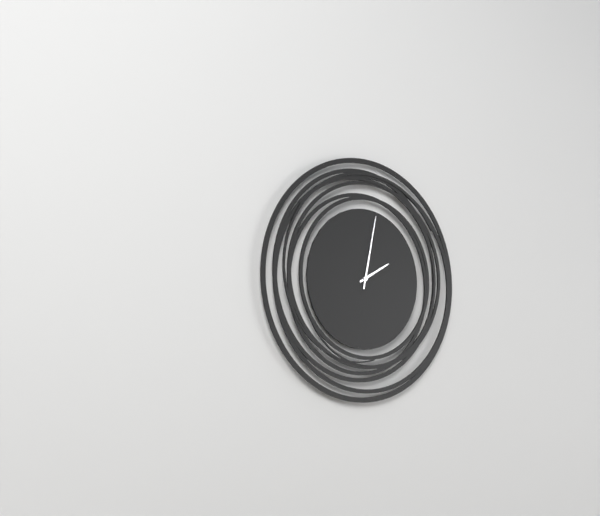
2:02
